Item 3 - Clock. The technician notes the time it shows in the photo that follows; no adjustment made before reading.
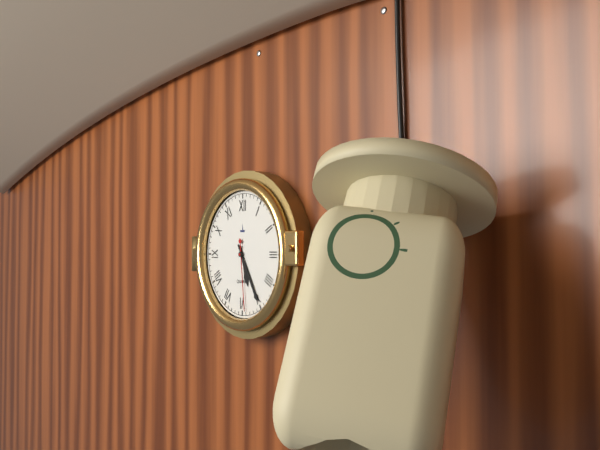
5:25:29
